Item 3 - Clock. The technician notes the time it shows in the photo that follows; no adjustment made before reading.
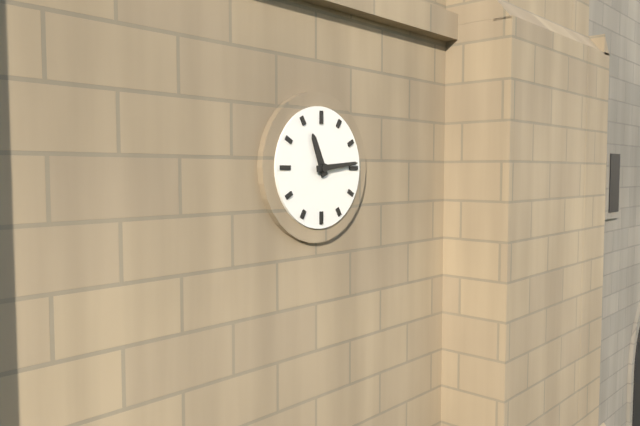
11:14
